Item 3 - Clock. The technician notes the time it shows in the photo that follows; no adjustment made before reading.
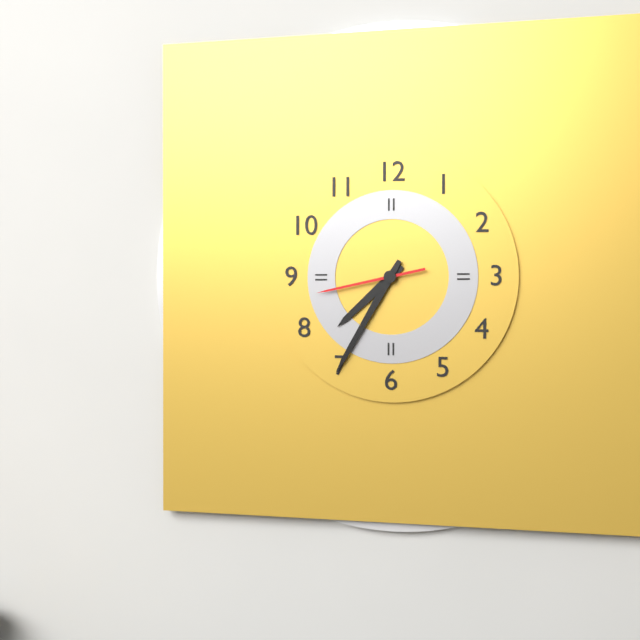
7:35:43
